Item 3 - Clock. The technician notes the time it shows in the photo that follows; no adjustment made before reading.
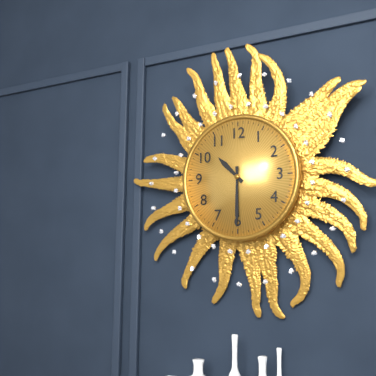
10:30
